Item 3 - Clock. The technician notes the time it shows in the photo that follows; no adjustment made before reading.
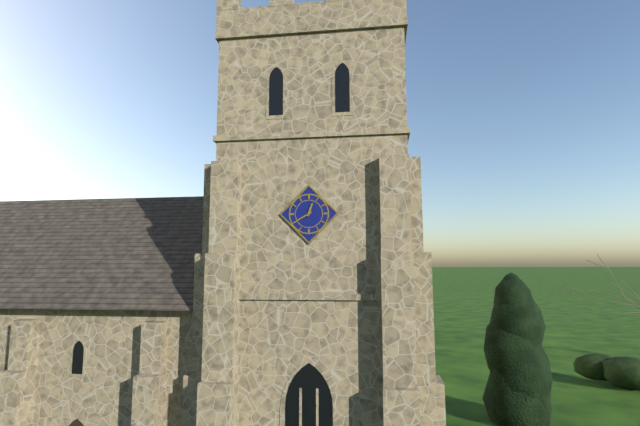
12:40
